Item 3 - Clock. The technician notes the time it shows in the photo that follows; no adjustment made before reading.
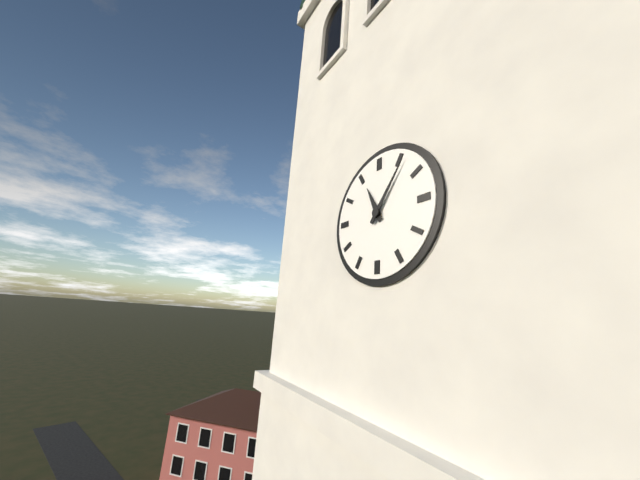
11:06
